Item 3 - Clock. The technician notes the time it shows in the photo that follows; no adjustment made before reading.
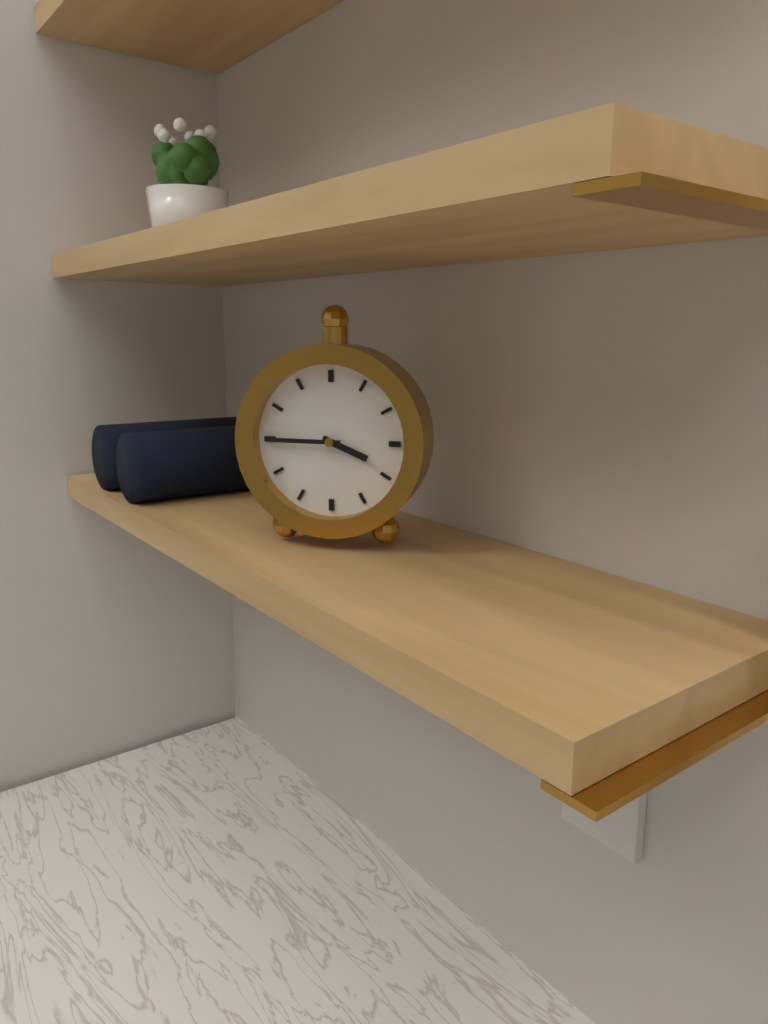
3:45
